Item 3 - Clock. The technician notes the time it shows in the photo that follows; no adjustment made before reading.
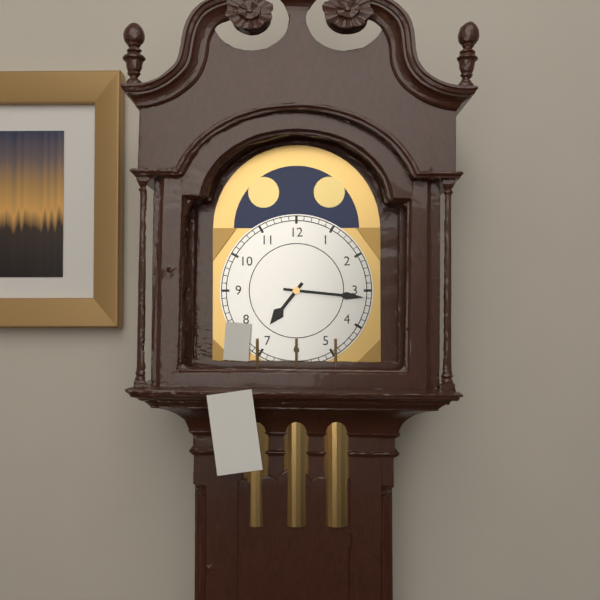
7:16
